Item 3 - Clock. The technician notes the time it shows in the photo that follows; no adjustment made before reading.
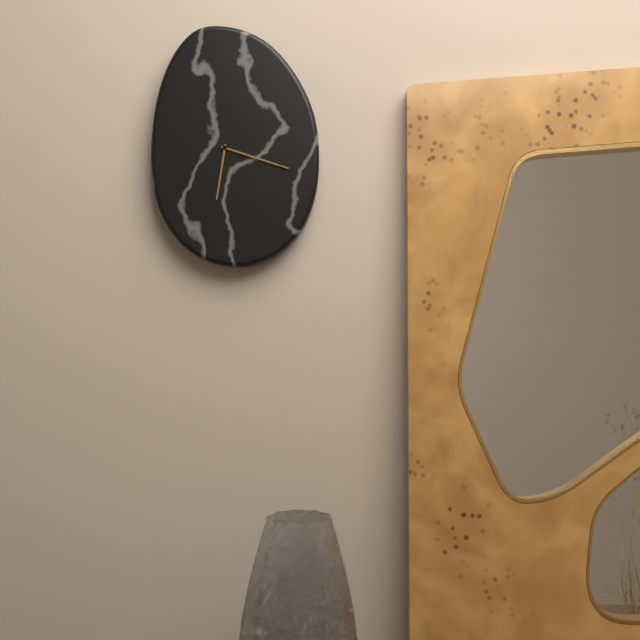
6:18
